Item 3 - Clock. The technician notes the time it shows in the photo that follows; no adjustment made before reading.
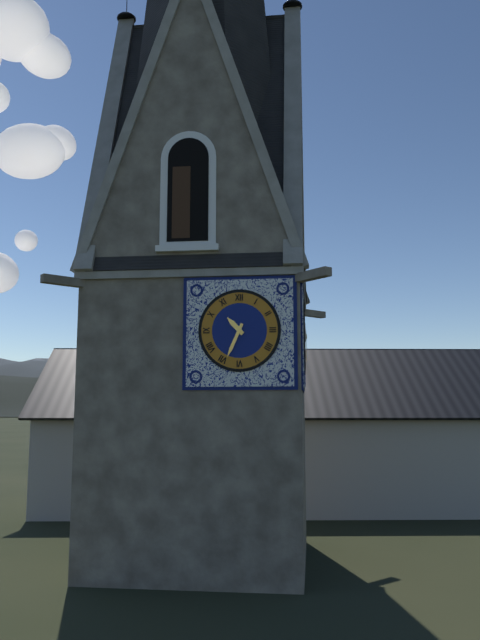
10:34
